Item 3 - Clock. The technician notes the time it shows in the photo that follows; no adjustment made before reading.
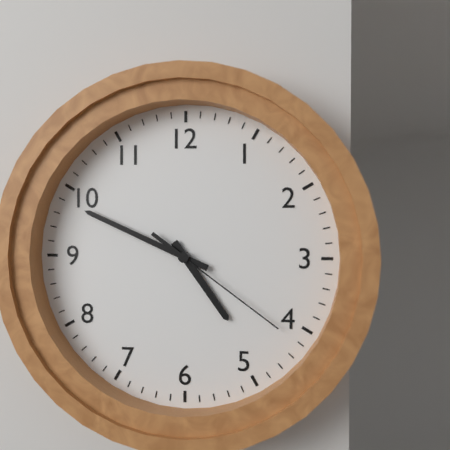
4:49:21
